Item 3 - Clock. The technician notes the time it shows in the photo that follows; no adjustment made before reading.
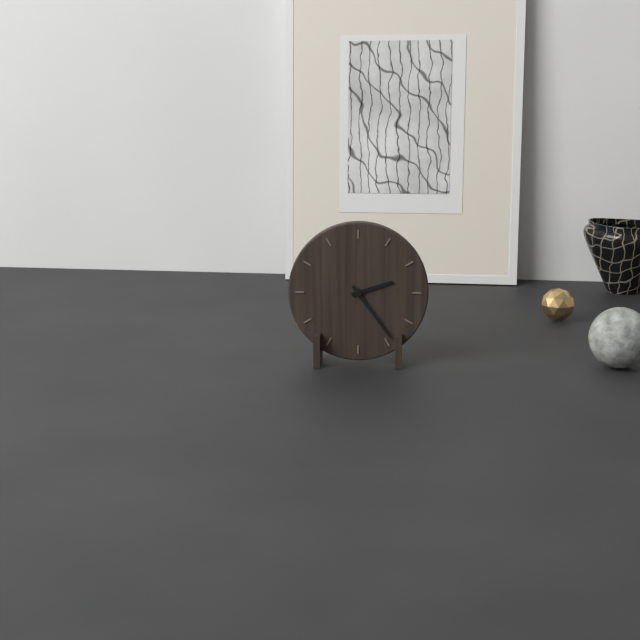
2:24
